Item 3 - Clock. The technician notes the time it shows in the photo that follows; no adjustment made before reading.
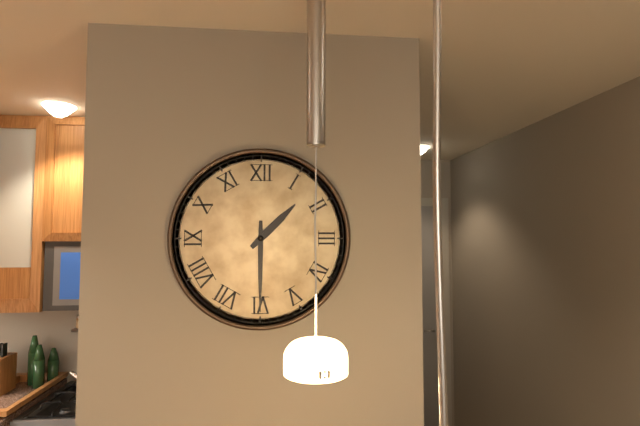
1:30
